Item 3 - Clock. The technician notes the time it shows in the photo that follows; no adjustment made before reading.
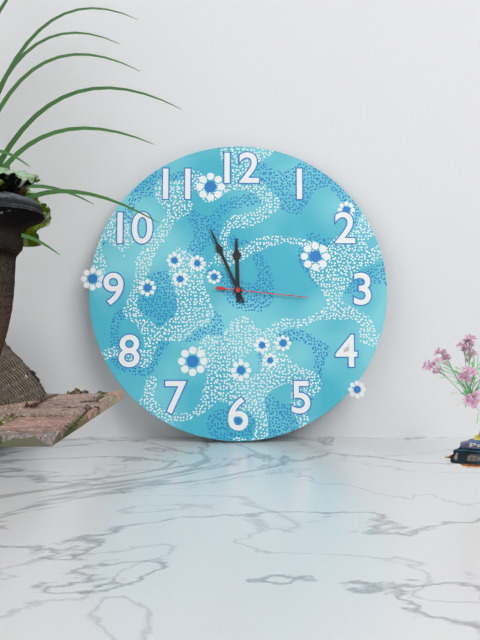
11:56:16
